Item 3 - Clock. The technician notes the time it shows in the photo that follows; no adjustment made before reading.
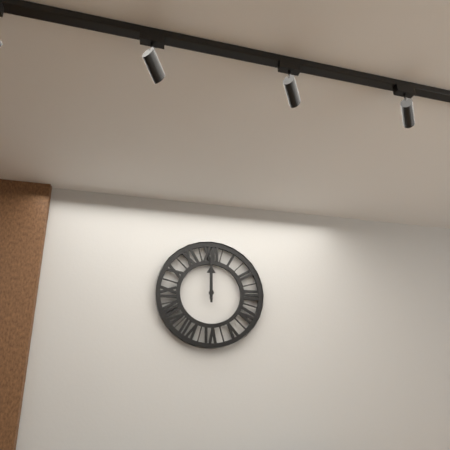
12:00
